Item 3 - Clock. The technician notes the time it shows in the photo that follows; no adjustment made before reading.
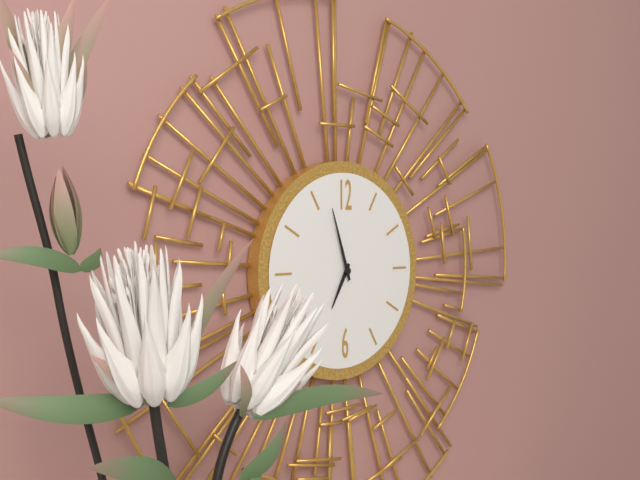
6:57
